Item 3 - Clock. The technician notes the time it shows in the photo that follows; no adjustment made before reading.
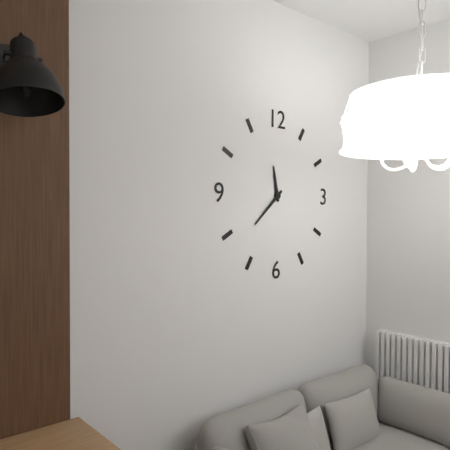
11:38
